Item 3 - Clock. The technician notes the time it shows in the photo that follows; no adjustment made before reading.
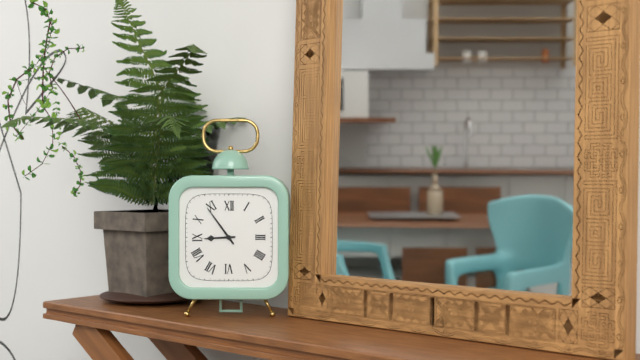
8:54
